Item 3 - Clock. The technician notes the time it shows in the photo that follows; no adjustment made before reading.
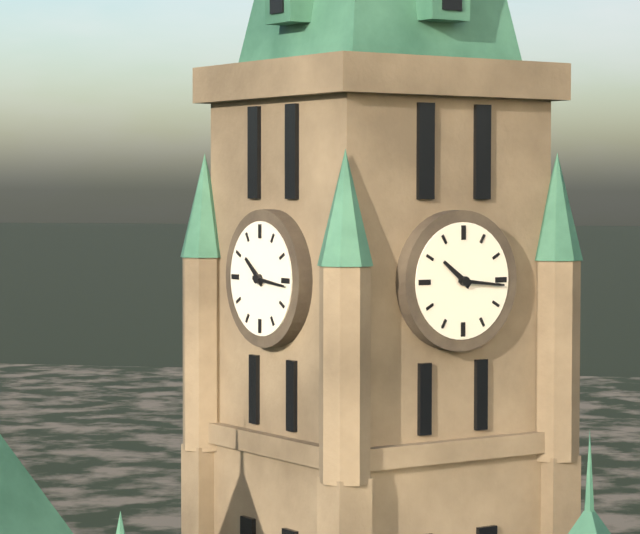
10:16
